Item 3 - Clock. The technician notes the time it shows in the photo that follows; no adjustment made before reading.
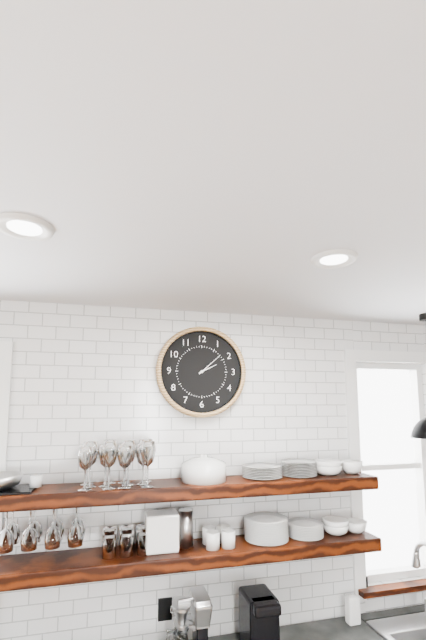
2:08
